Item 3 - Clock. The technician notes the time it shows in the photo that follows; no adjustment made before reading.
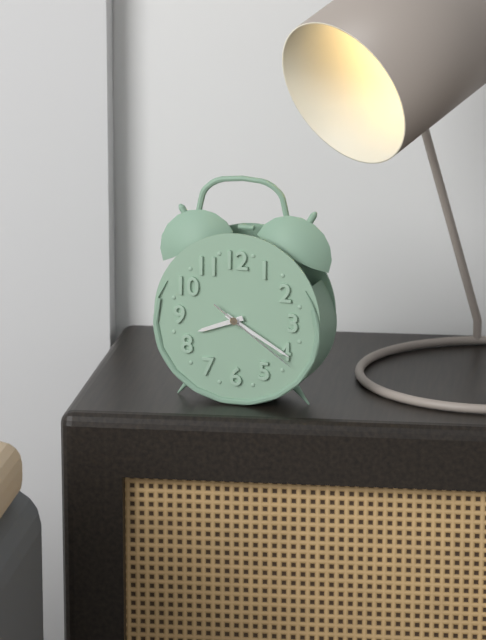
8:20:21
